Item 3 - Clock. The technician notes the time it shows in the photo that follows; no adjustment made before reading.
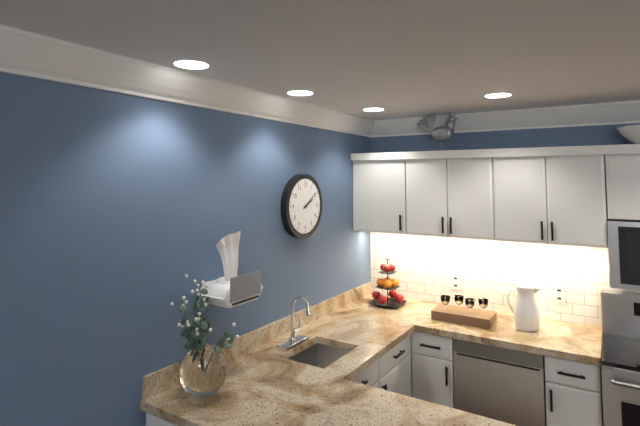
2:09
